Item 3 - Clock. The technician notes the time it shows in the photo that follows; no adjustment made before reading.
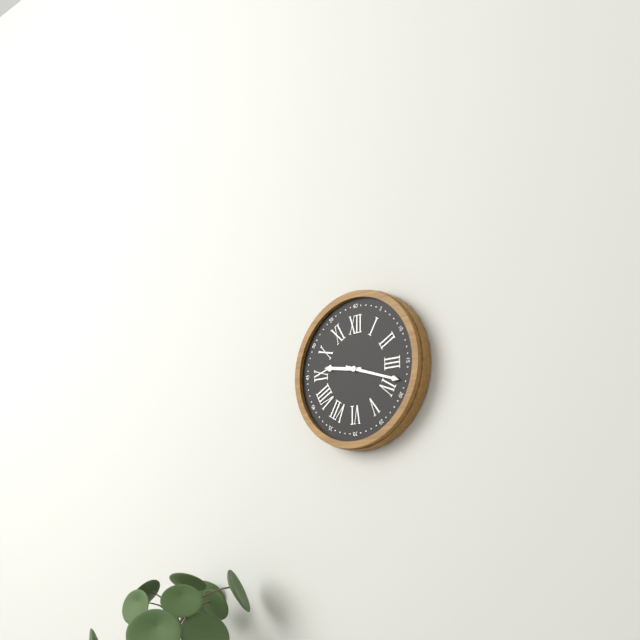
9:18
